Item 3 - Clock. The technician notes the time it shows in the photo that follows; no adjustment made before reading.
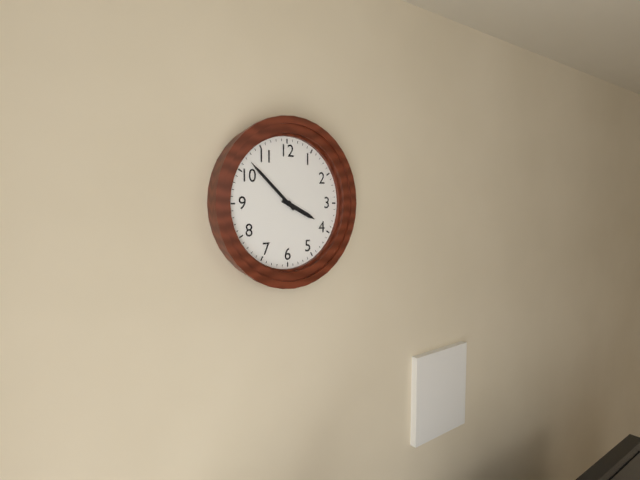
3:52
